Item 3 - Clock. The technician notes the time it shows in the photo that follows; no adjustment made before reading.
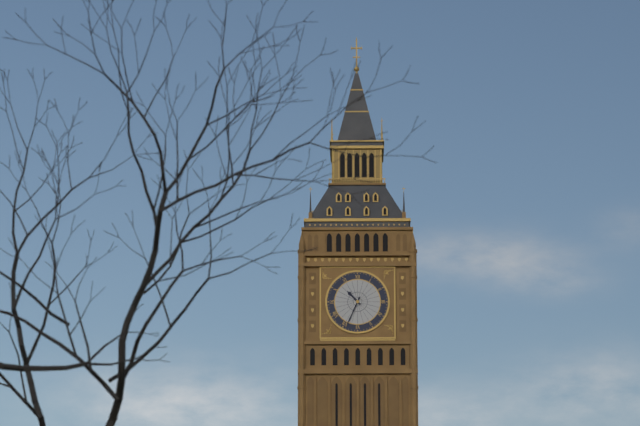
10:34
